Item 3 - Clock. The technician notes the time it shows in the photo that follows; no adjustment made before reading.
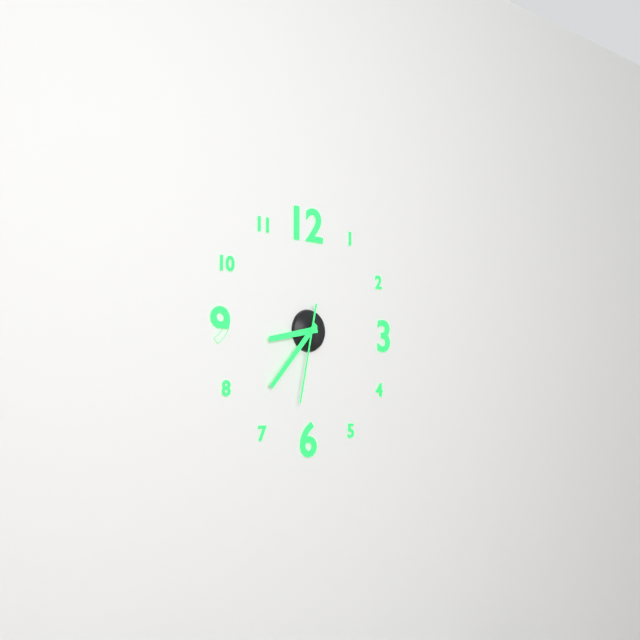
8:37:32
